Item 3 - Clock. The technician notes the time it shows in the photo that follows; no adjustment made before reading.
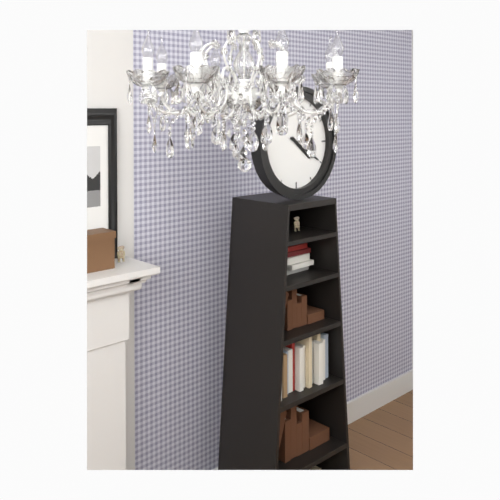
4:20
